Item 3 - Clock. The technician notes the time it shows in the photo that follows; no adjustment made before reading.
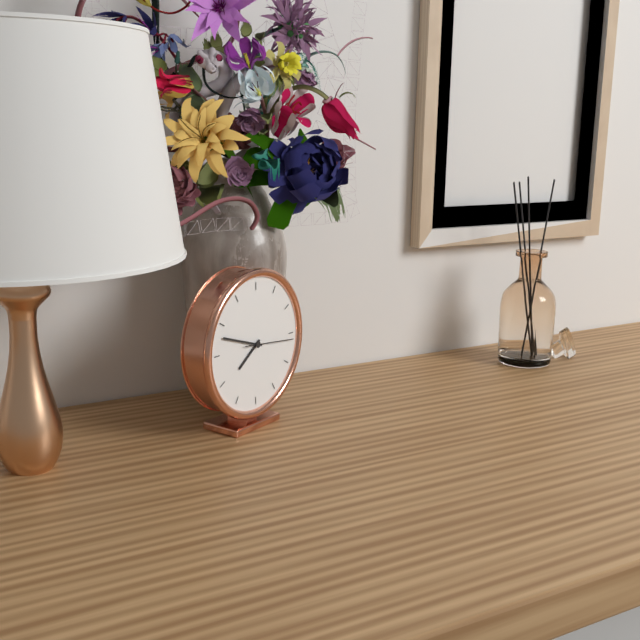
7:48
